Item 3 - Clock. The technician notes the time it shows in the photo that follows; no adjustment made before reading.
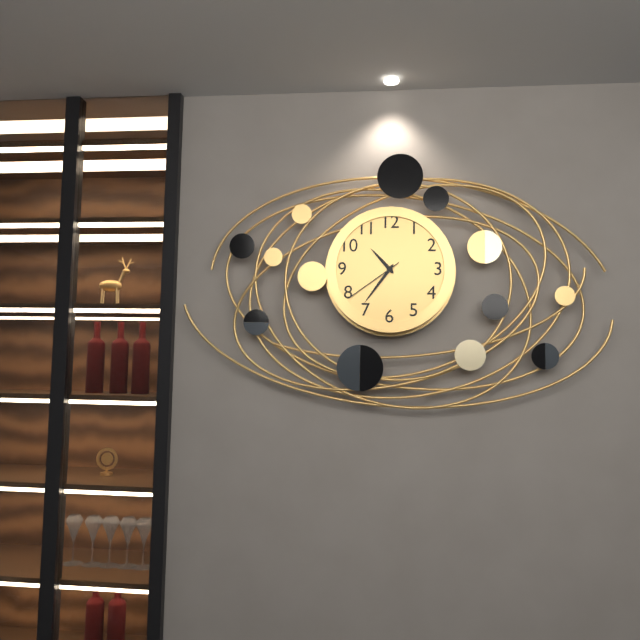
10:36:39
